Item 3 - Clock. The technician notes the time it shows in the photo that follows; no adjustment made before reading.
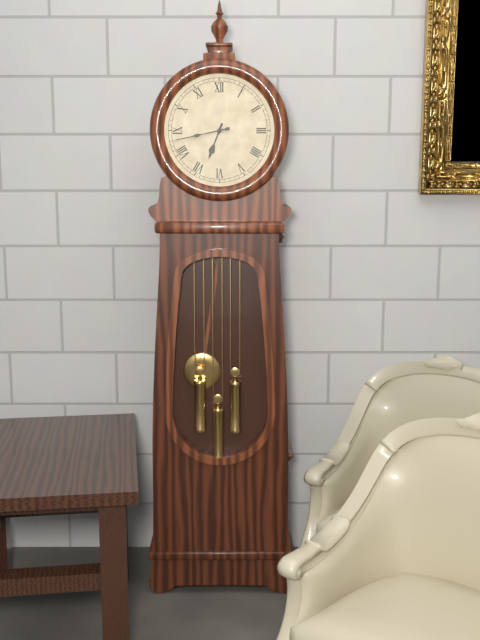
6:43
